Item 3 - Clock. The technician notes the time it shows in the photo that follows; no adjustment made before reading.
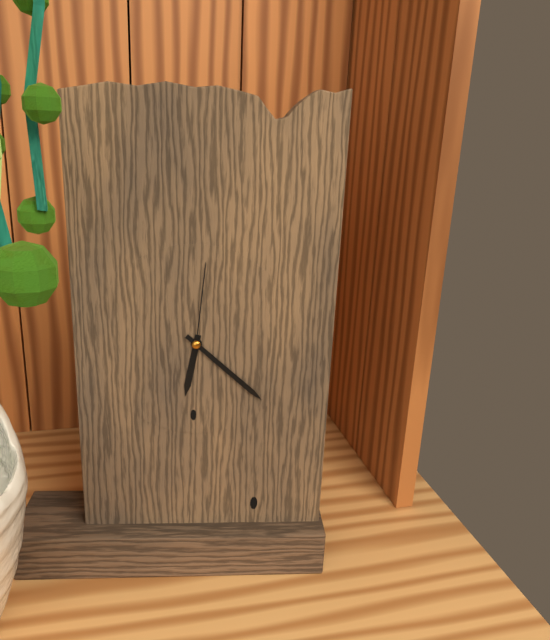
6:22:01
